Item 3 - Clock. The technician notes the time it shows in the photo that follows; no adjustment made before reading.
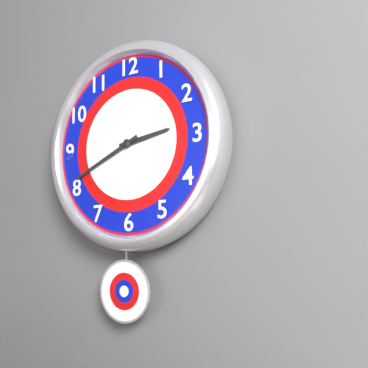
2:41
